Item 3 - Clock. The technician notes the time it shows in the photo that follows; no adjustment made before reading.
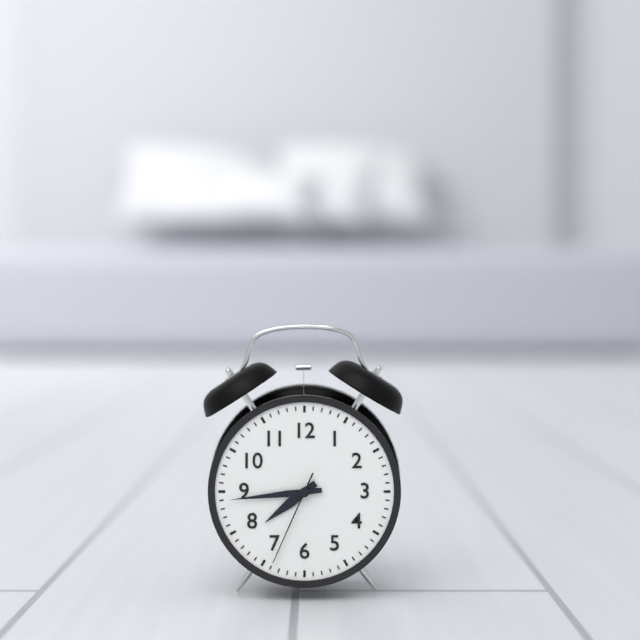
7:44:34
